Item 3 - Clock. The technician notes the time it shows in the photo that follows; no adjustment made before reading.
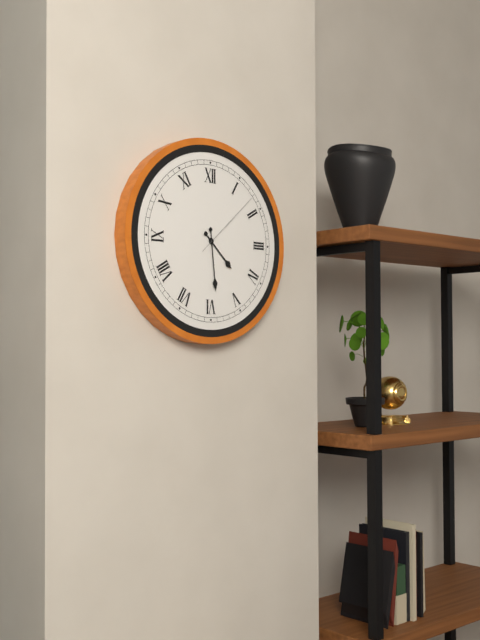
4:29:08
